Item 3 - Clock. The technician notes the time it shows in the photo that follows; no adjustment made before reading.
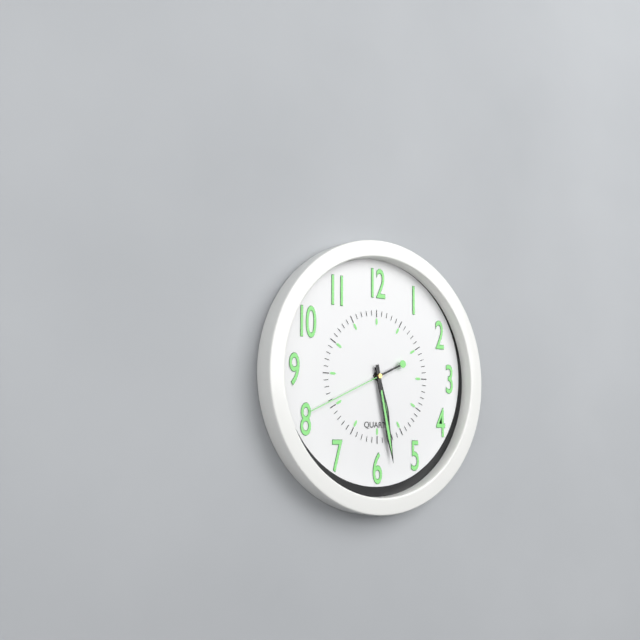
5:28:41
